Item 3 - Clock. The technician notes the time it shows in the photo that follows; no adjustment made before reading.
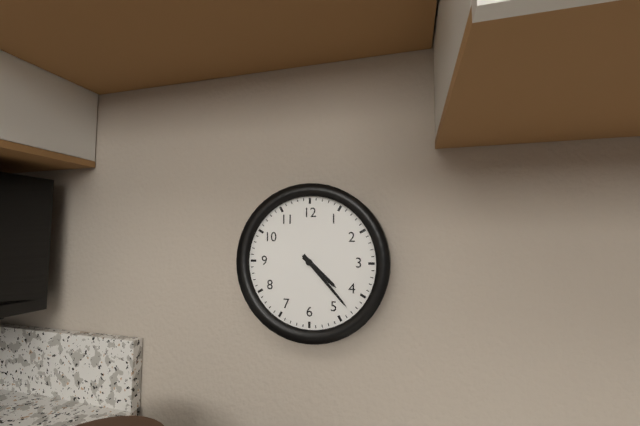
4:23
